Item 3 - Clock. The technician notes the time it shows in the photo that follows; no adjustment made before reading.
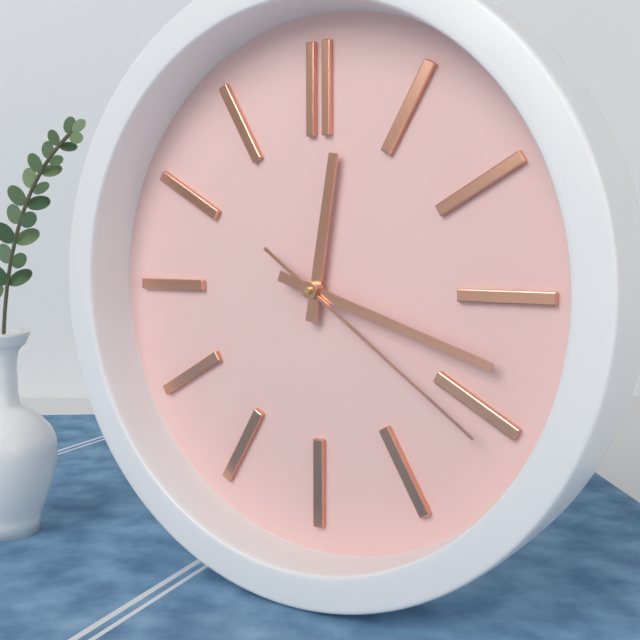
12:18:21
